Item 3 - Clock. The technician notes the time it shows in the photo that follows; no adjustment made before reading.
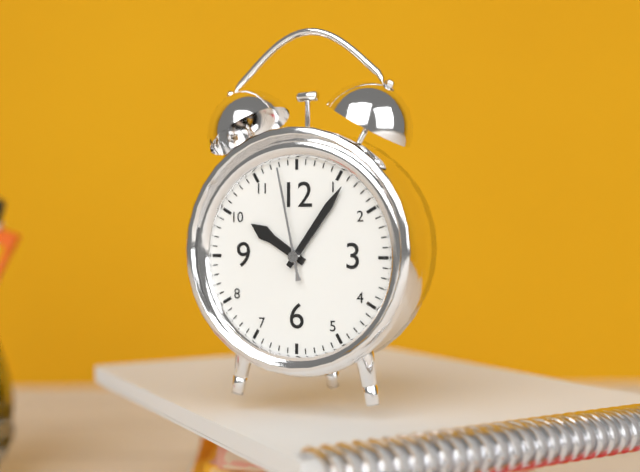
10:06:58
